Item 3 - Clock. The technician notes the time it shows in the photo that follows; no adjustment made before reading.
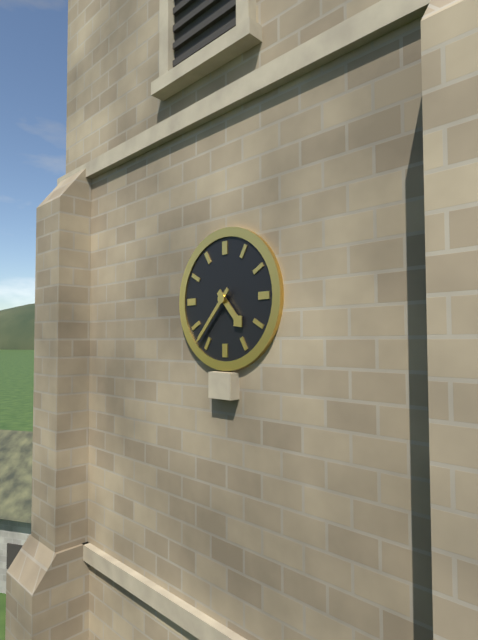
4:37
